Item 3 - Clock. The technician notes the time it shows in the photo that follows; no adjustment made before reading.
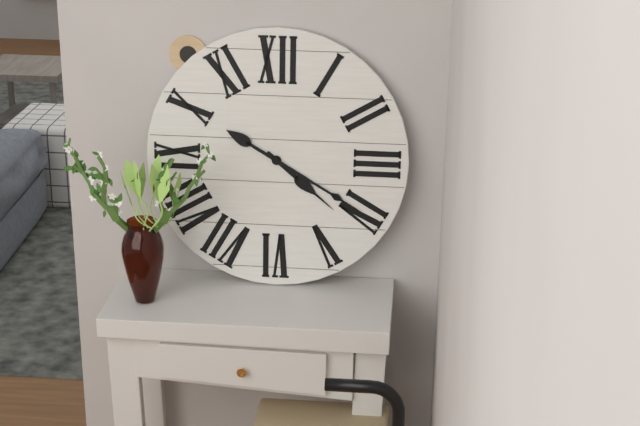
4:20
